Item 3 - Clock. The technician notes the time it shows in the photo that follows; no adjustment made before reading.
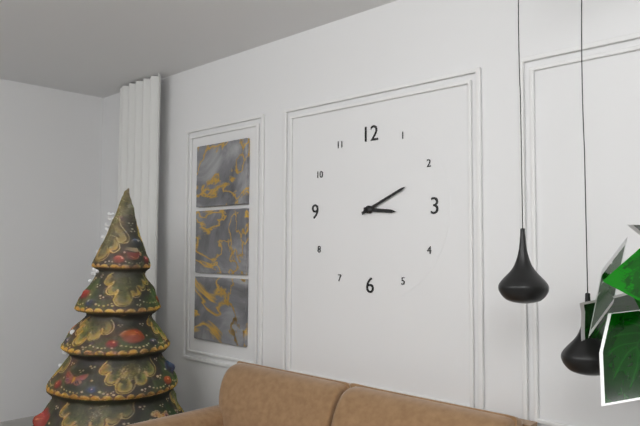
3:11
